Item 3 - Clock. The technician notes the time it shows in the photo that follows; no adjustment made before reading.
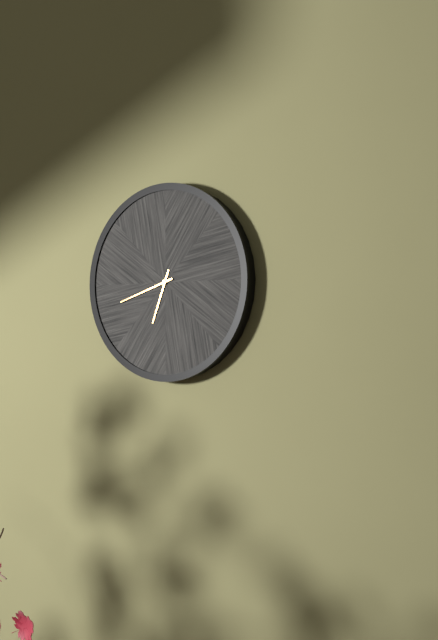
6:42
